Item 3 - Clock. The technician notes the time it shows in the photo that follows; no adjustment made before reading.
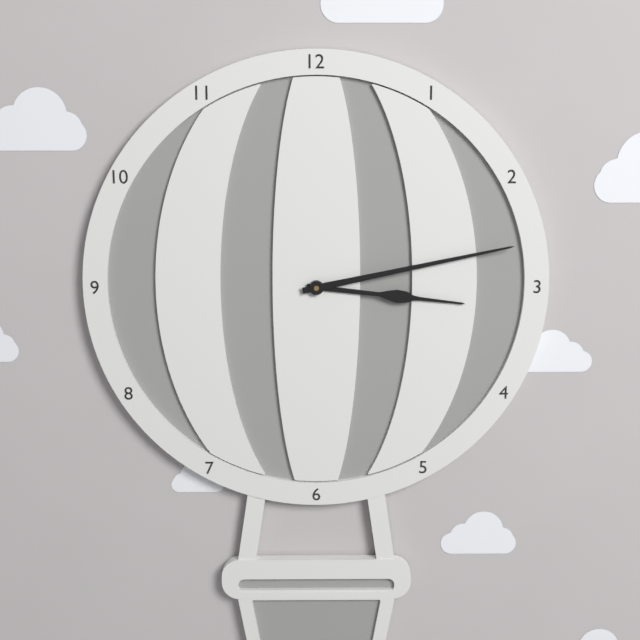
3:13
